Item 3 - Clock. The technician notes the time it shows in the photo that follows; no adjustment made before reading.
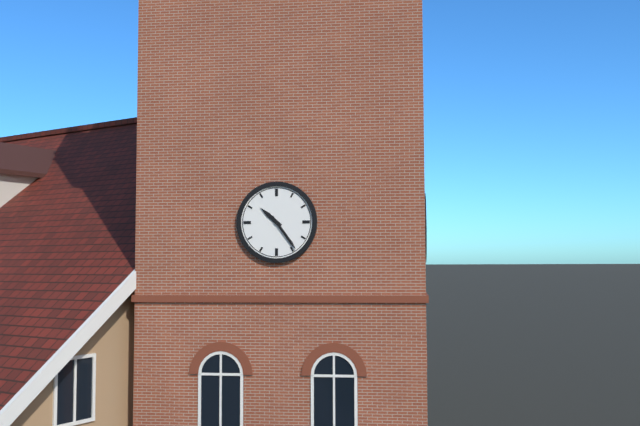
10:24
